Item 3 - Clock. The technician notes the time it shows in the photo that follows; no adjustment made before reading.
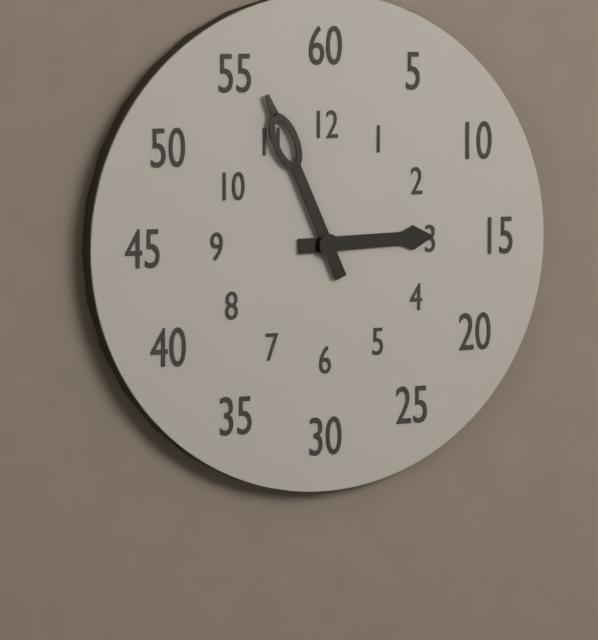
2:56
